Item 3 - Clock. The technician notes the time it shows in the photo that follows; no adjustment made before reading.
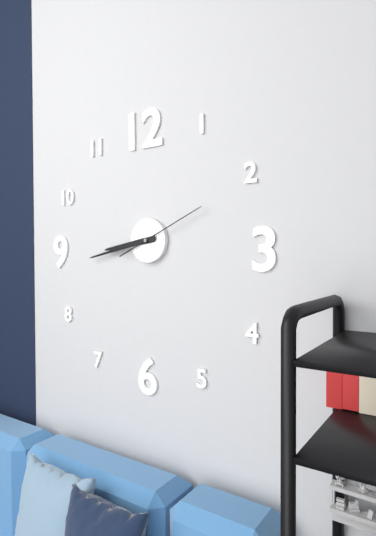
8:43:11
